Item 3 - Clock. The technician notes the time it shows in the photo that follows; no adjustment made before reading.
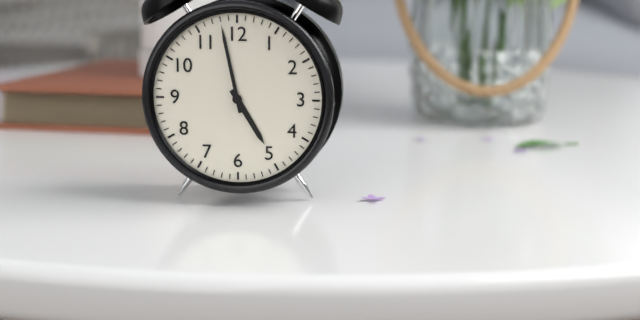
4:58
